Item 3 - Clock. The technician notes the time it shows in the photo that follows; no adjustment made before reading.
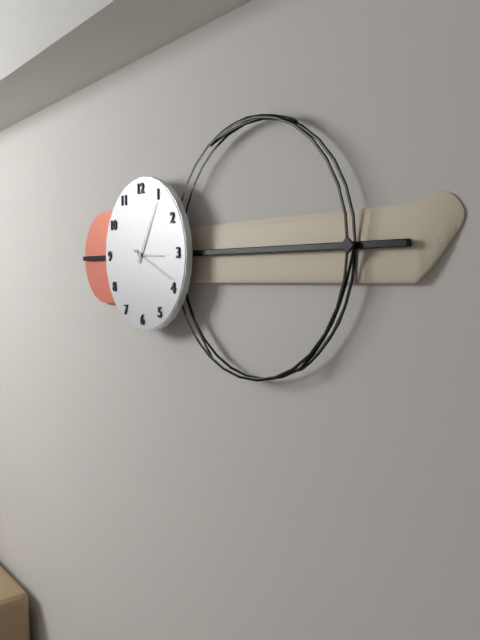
3:05
